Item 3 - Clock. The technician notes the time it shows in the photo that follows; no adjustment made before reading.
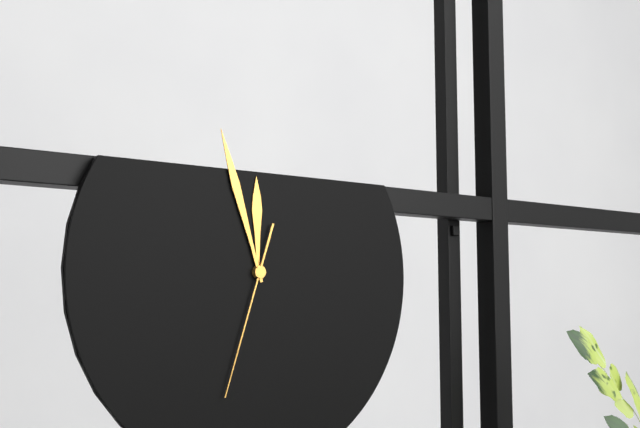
11:57:33
